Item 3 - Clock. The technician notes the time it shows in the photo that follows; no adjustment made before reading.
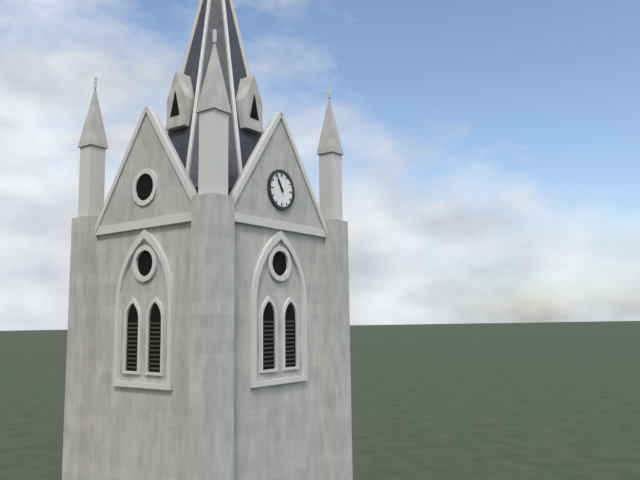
10:55
